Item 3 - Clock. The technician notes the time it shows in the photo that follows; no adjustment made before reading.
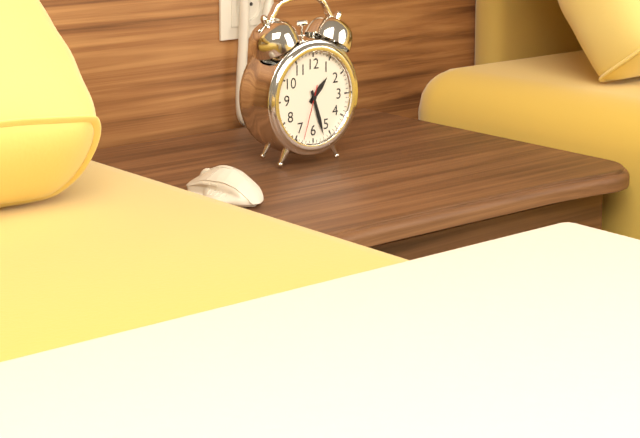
1:27:33
